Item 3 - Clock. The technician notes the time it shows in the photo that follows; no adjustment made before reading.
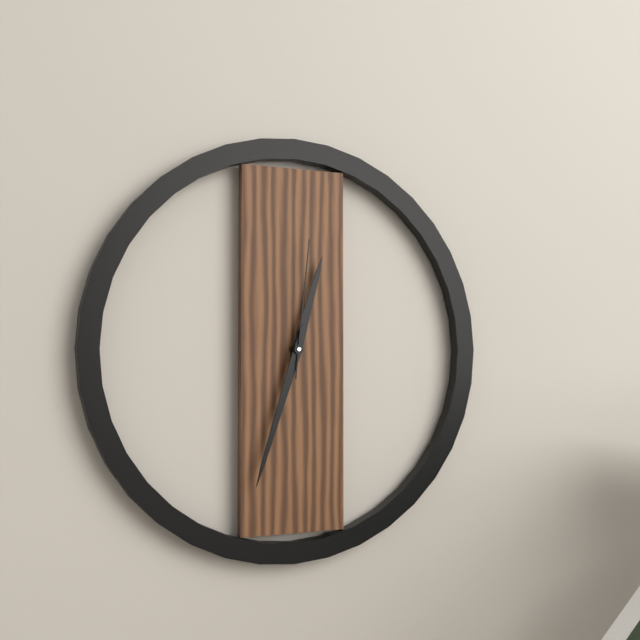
12:33:01
